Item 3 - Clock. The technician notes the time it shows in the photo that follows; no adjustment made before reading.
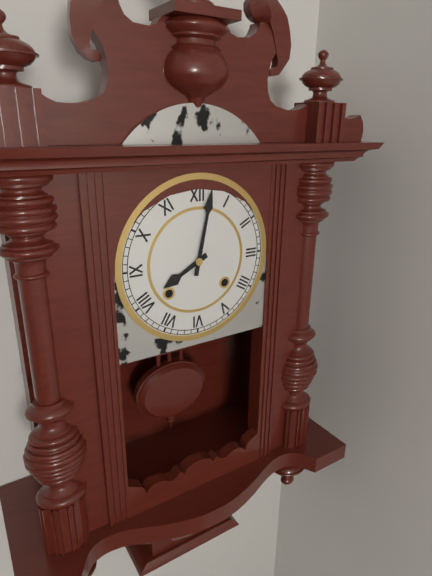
8:02
